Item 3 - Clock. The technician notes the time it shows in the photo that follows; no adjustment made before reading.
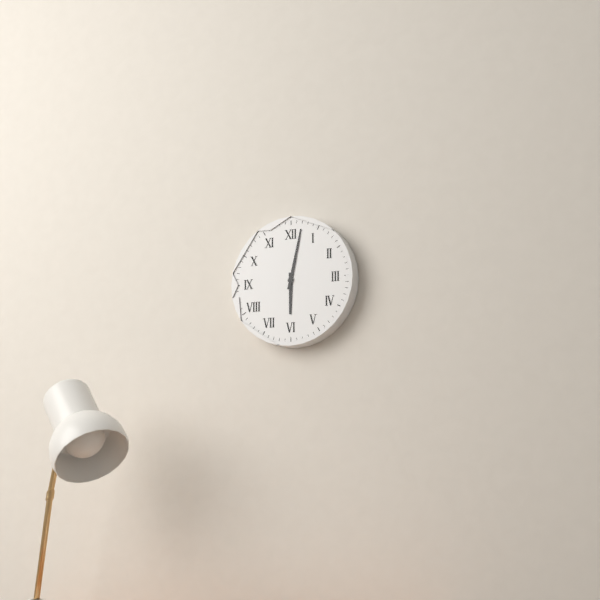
6:02
